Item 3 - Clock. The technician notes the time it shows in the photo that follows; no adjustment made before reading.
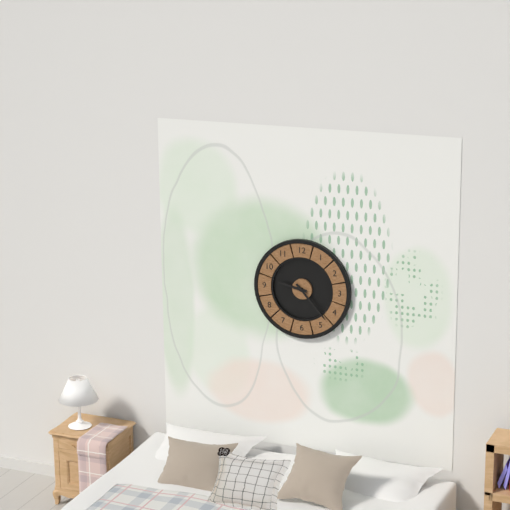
9:23
